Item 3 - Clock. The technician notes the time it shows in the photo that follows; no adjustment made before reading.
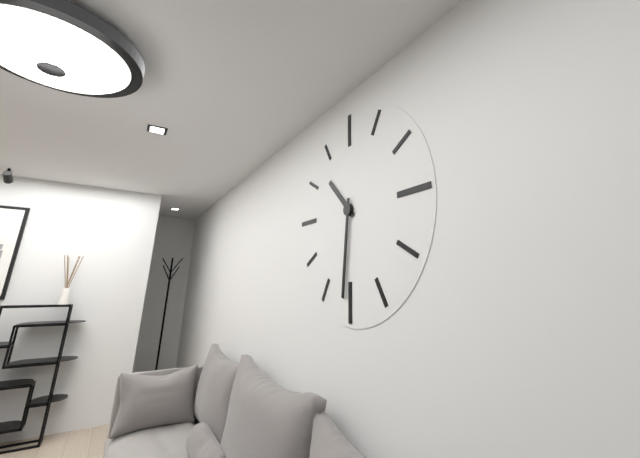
10:31
